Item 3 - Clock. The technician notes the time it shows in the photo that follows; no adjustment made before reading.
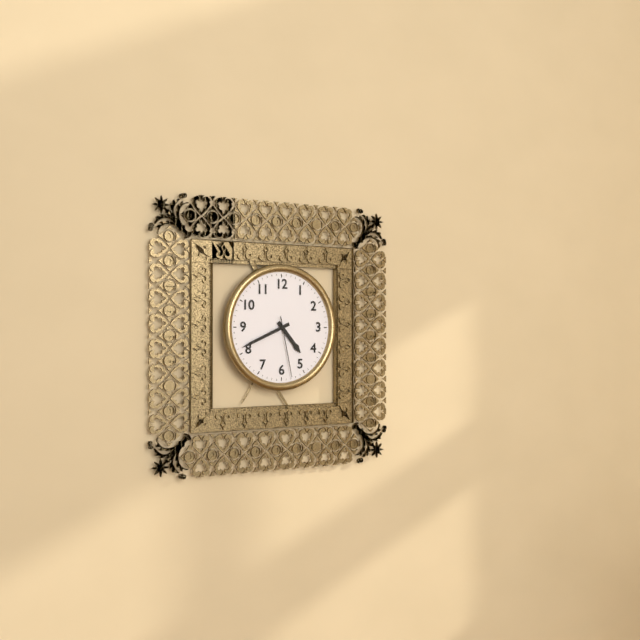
4:41:28
